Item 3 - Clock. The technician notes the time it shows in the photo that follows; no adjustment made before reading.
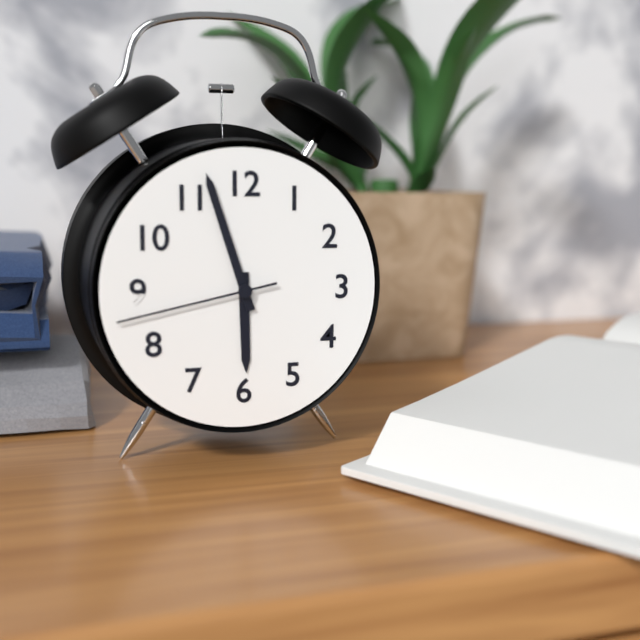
5:57:43
